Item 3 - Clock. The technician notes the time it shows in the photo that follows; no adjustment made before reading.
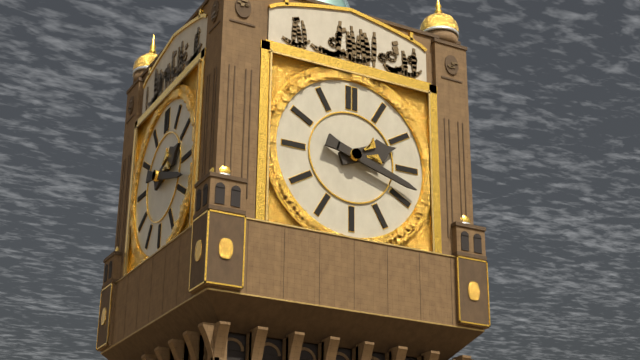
2:18
